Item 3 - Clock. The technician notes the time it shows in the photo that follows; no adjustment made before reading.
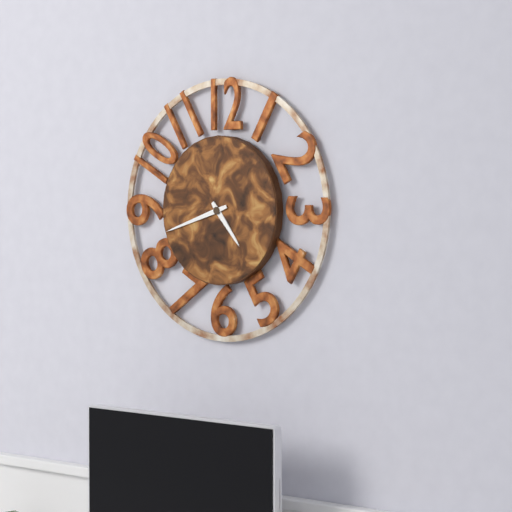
4:42
